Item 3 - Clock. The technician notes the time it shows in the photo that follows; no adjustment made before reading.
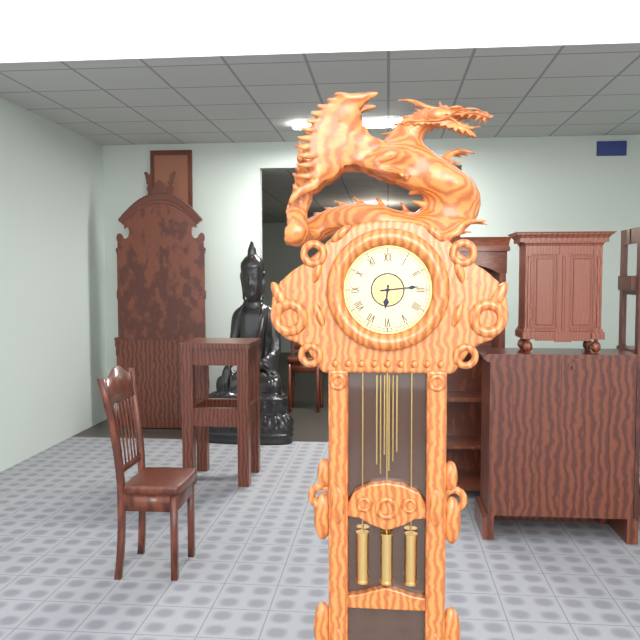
6:14
